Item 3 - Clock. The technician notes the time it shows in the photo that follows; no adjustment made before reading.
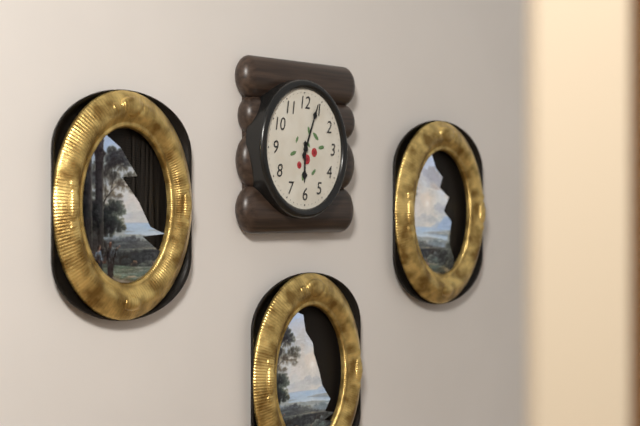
6:04
